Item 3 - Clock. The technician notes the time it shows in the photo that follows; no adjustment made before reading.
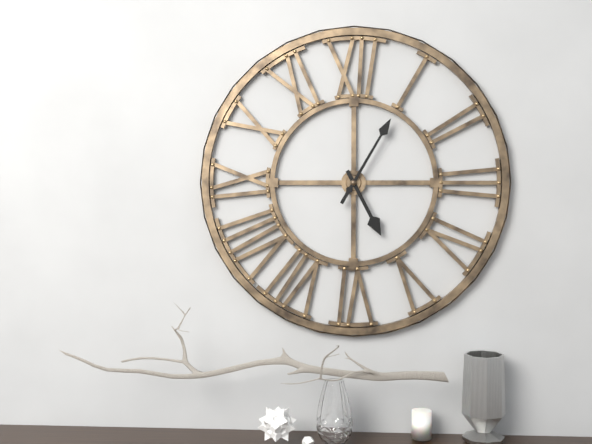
5:05
